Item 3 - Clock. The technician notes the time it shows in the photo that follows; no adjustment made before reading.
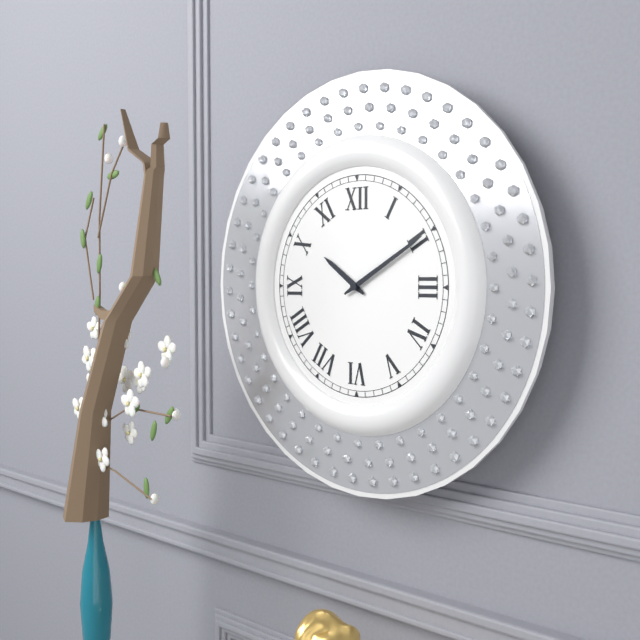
10:10
